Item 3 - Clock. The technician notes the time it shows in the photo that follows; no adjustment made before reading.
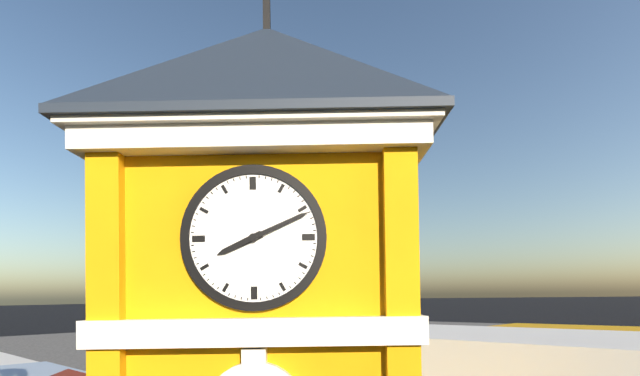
8:11
